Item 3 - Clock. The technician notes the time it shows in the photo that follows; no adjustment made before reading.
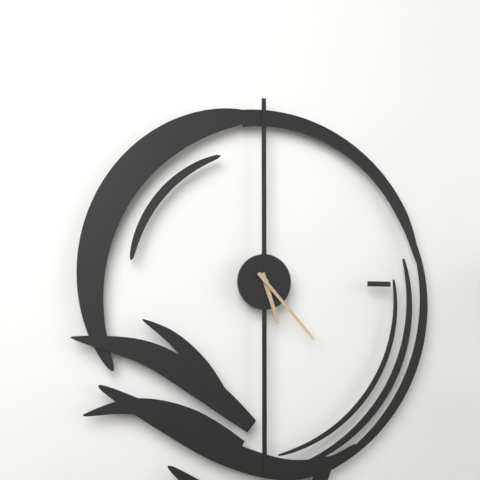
5:23
